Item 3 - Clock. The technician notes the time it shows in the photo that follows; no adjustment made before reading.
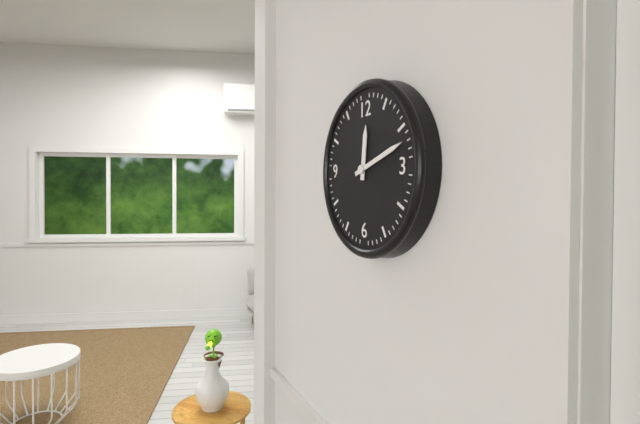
12:12
